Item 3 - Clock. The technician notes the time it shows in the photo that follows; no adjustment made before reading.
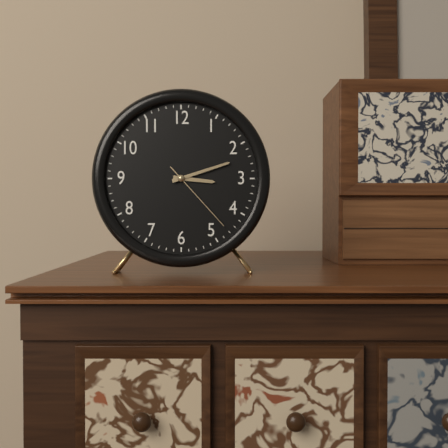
3:12:23
